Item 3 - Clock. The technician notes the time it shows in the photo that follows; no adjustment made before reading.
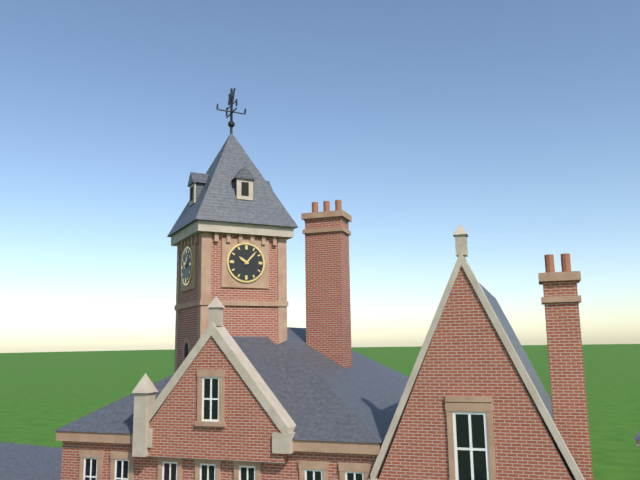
10:07
